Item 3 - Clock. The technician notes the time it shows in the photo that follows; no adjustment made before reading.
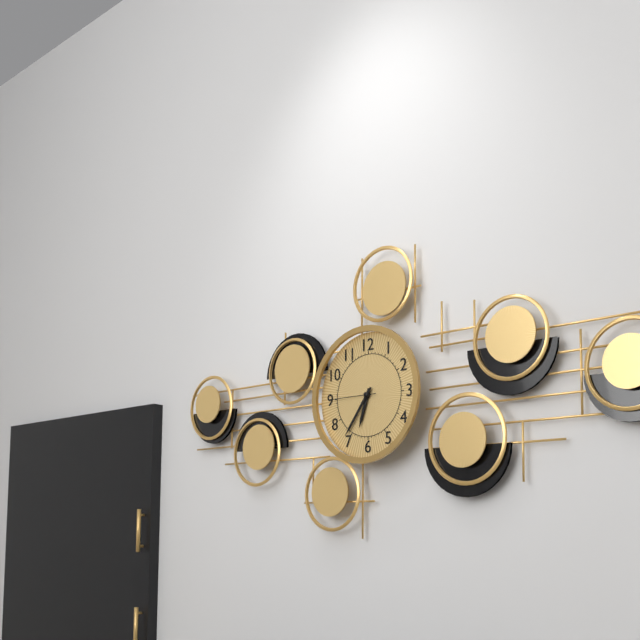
6:36
